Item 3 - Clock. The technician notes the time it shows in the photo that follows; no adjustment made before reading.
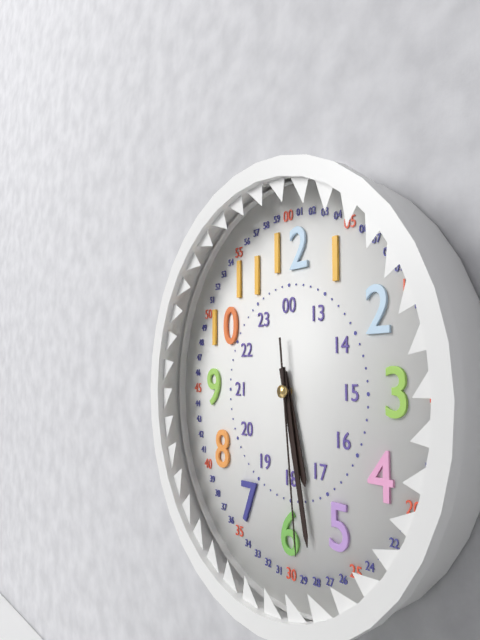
5:28:29
